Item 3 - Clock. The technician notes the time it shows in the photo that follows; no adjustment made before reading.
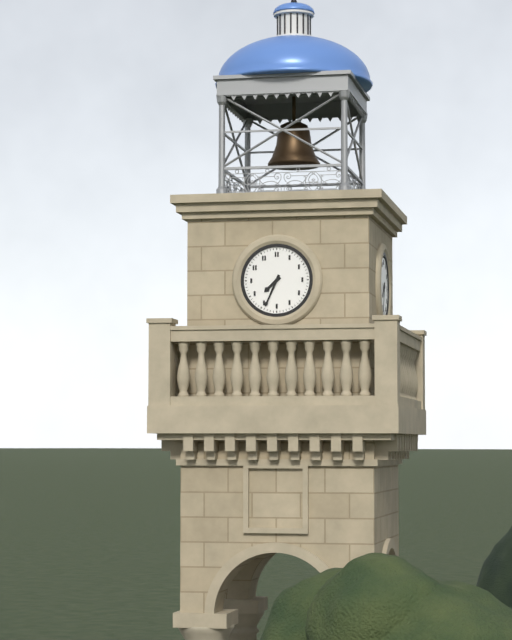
7:34
